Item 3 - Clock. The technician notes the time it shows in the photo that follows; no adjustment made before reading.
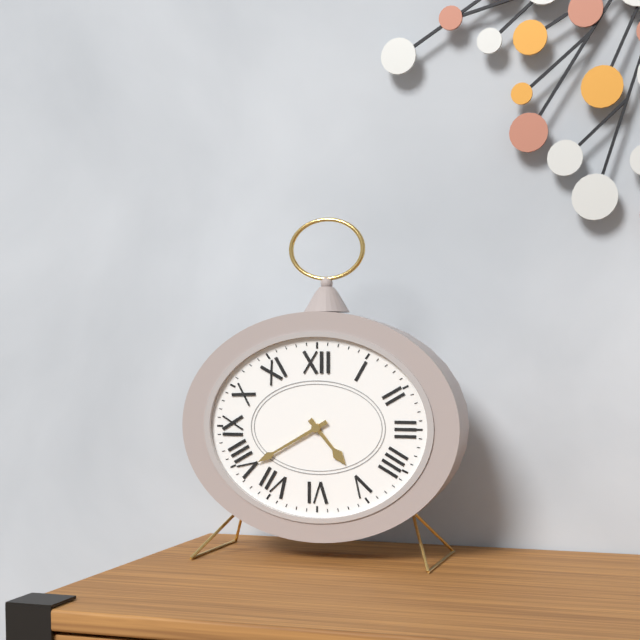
4:40
